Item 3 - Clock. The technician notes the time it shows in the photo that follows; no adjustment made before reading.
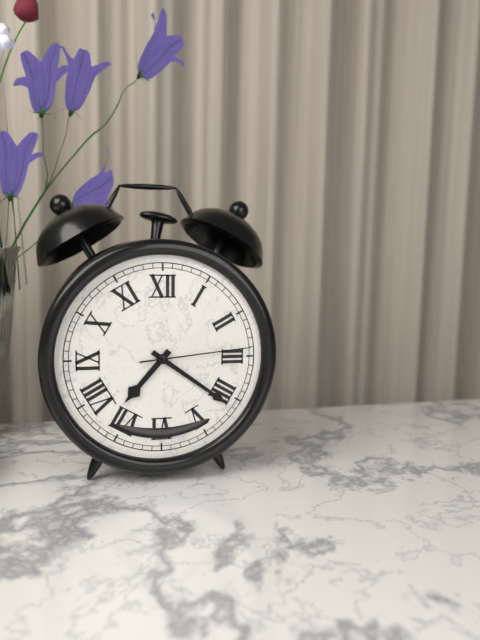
7:21:14
